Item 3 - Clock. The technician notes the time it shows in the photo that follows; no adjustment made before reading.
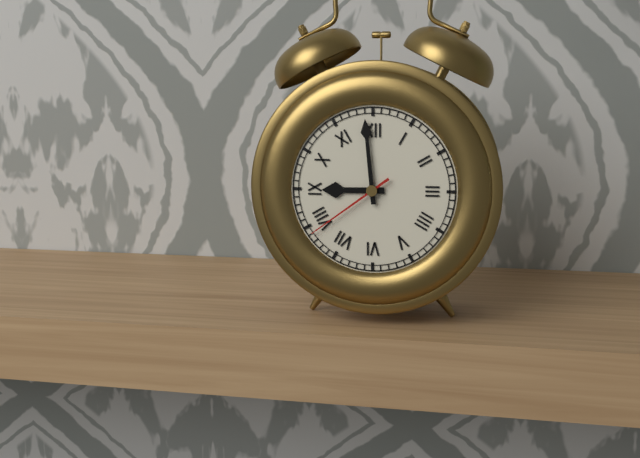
8:59:39
